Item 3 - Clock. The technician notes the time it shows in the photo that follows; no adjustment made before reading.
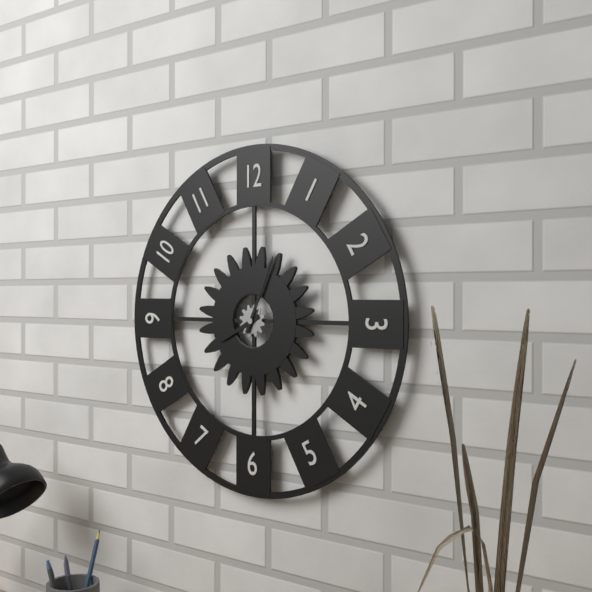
8:04
